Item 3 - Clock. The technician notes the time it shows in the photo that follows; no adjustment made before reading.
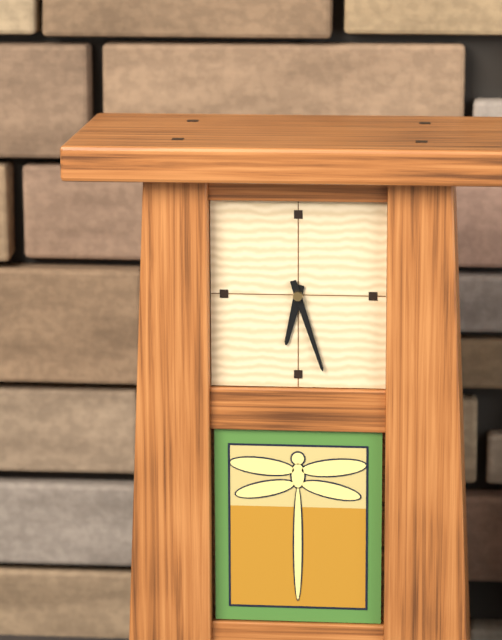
6:27
